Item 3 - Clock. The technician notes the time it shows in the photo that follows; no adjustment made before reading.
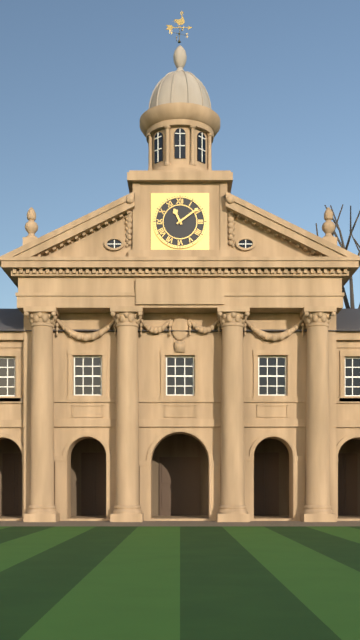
11:09
